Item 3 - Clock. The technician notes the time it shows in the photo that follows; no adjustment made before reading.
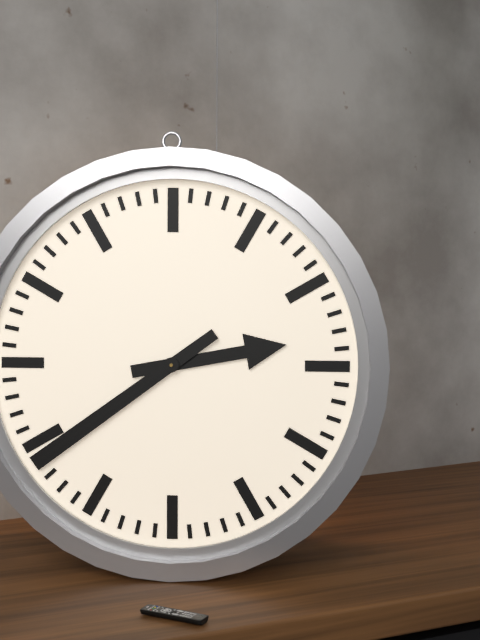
2:39
